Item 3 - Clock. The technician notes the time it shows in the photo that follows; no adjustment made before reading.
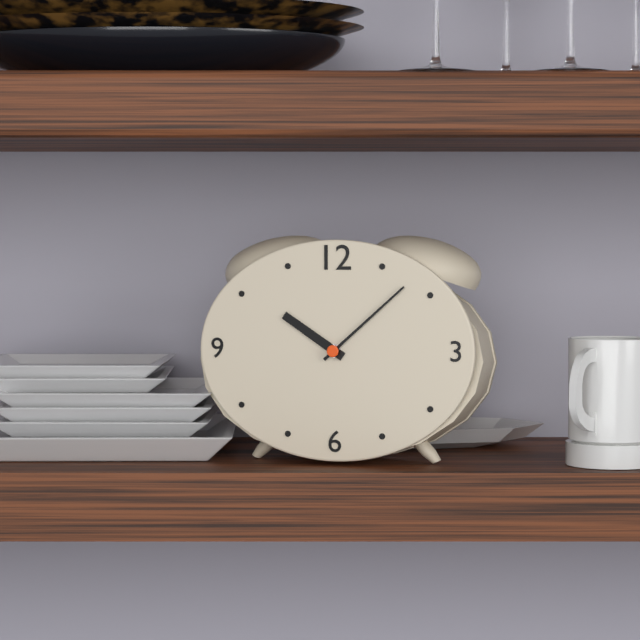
10:08
